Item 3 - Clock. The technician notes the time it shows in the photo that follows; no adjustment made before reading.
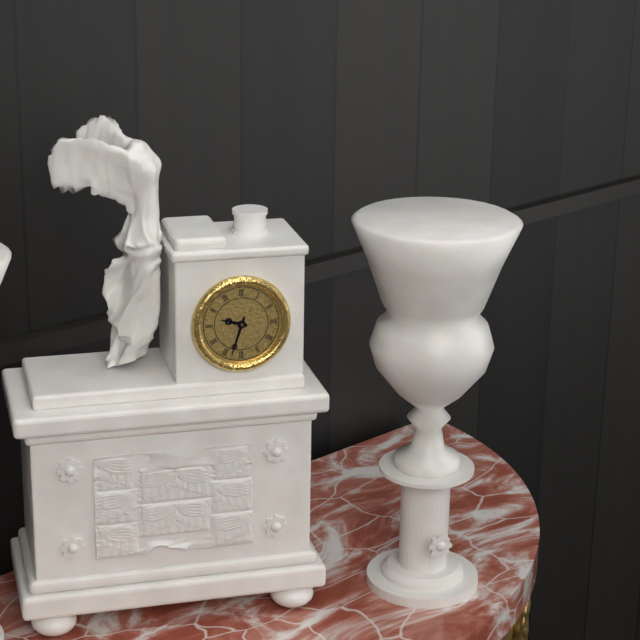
9:33
